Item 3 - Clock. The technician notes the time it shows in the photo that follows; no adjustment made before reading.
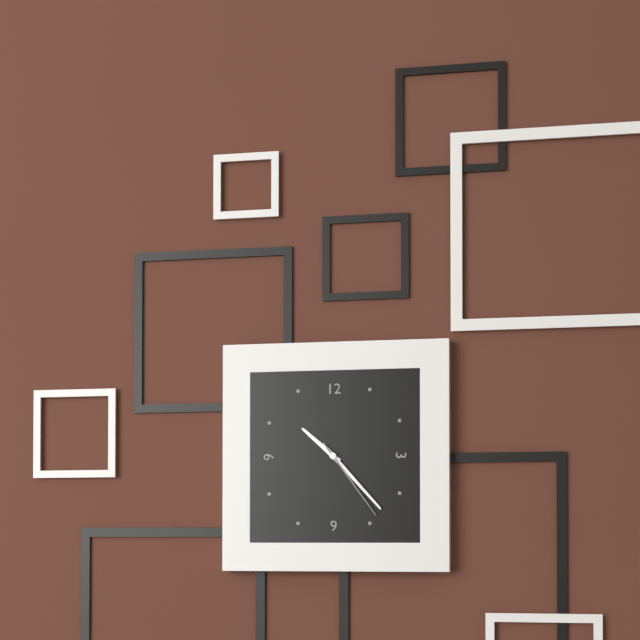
10:23:24
